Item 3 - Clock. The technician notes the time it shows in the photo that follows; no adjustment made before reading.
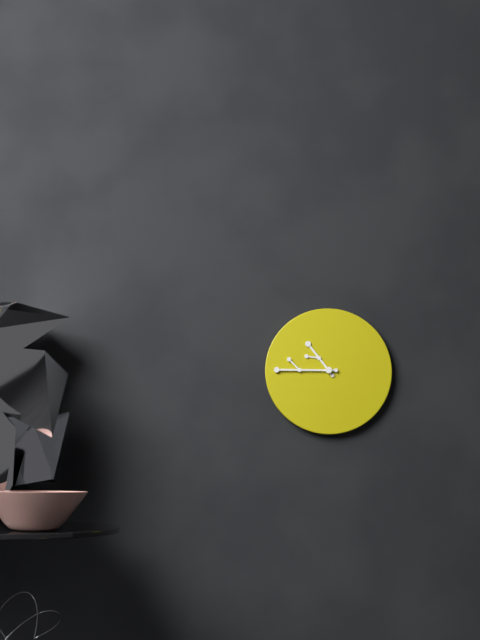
10:45
